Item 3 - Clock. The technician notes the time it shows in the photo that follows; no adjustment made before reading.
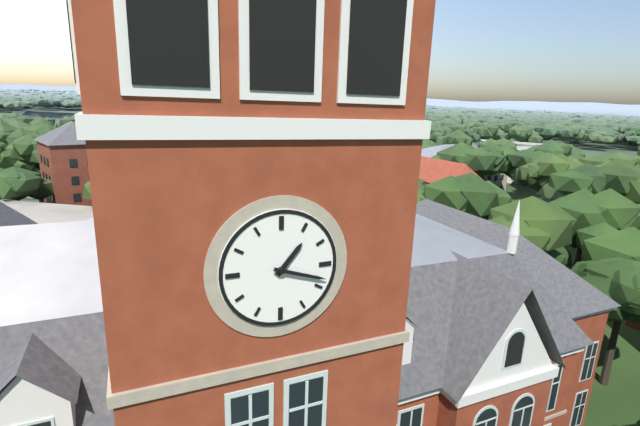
1:18
